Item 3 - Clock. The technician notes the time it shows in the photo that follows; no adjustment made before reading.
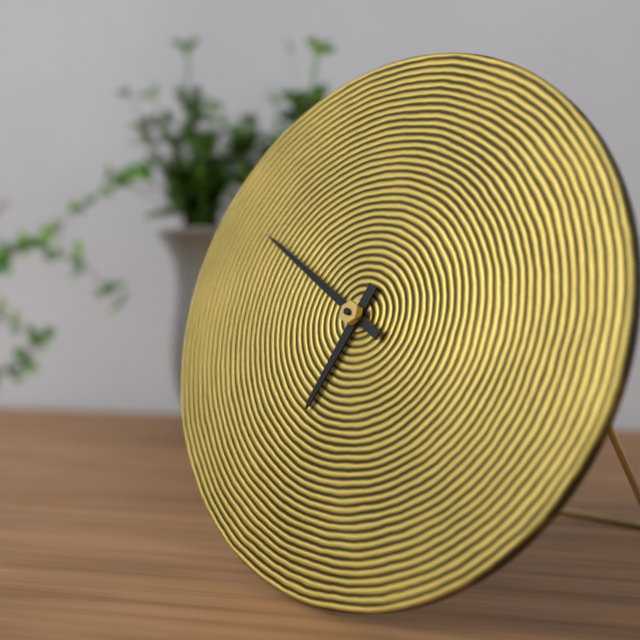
6:50
